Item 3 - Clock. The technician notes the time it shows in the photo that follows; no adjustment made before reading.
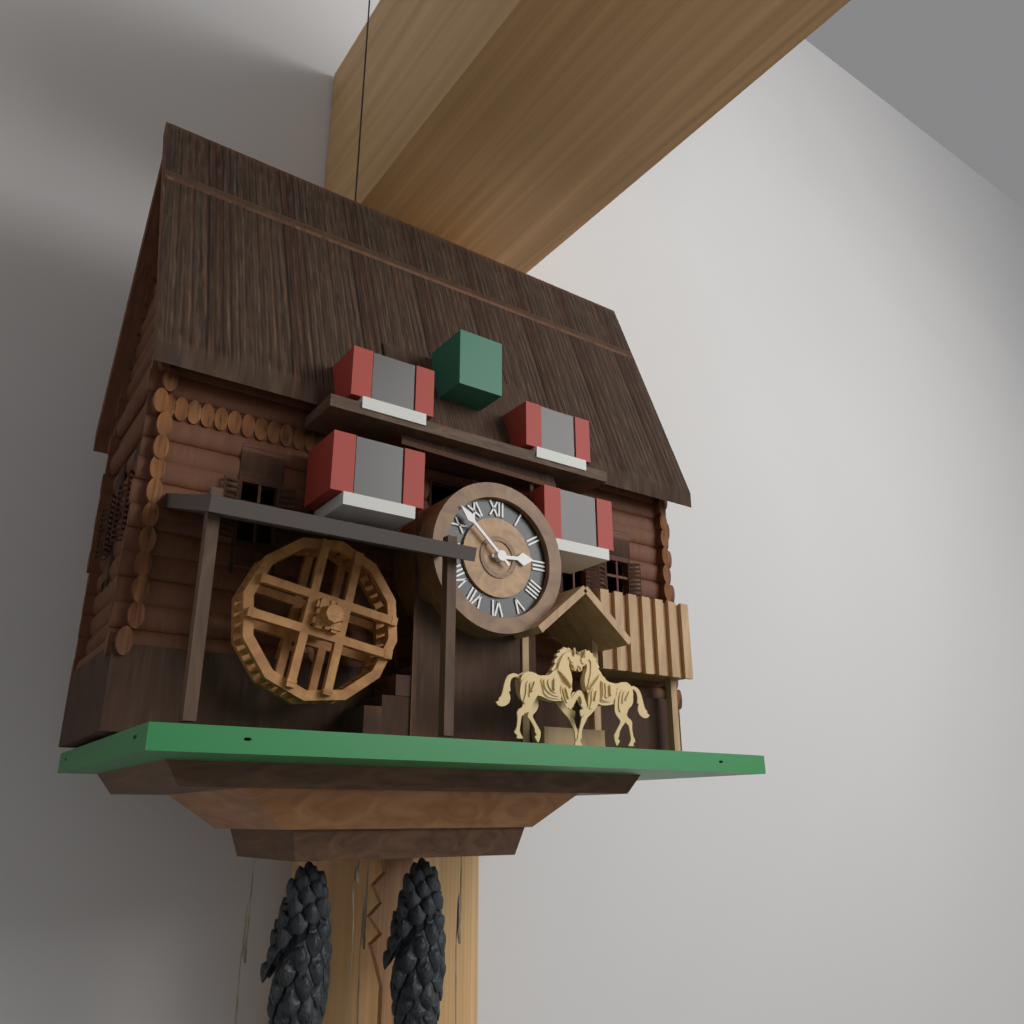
2:52
